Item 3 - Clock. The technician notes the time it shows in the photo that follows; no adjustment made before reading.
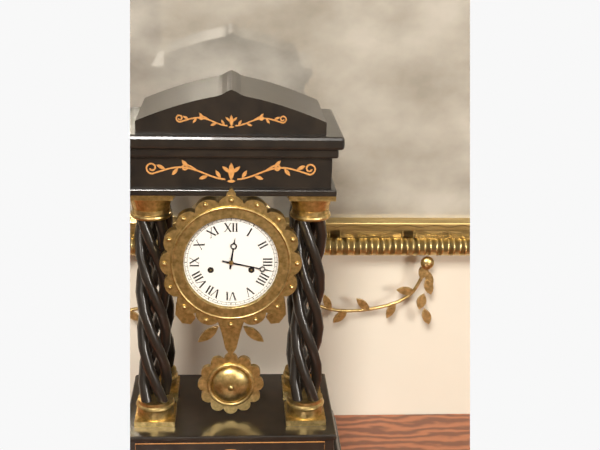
12:17
